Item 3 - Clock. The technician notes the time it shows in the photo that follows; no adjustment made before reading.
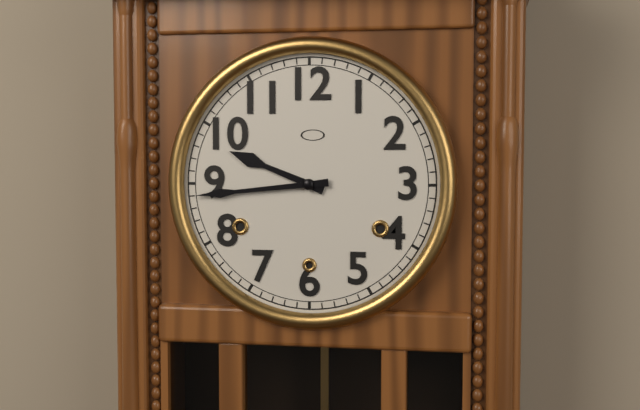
9:44
